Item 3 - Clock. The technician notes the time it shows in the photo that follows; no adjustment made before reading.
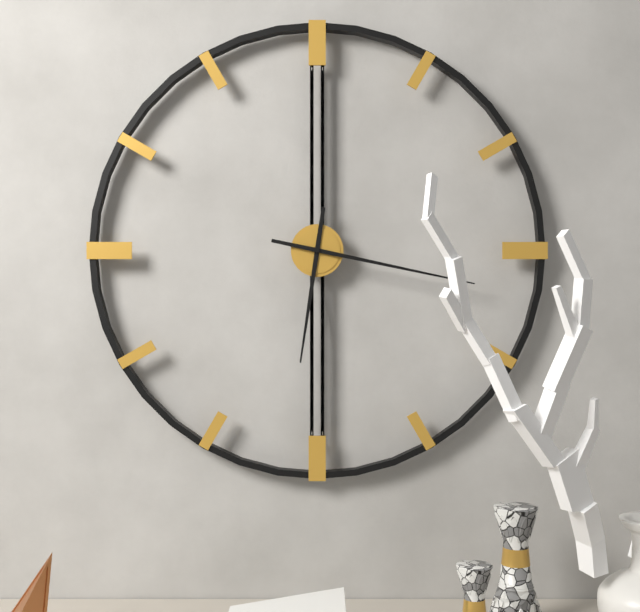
6:17
